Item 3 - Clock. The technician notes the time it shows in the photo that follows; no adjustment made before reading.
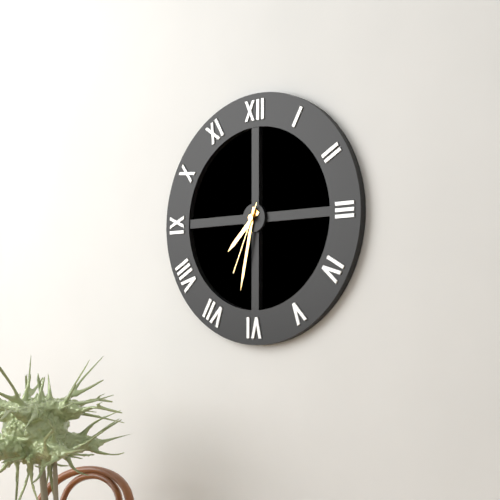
7:32:34
